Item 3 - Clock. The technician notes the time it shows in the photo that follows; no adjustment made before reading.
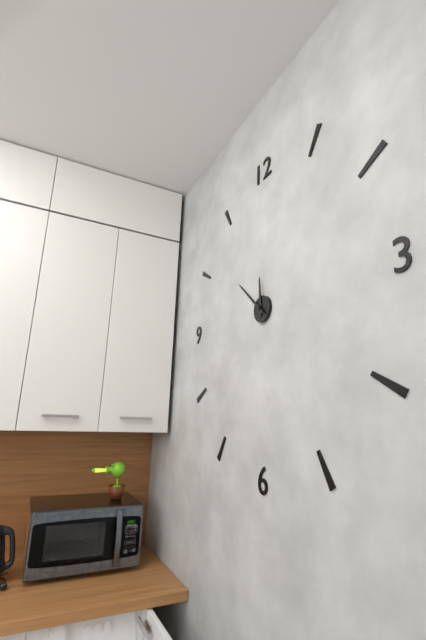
11:52
